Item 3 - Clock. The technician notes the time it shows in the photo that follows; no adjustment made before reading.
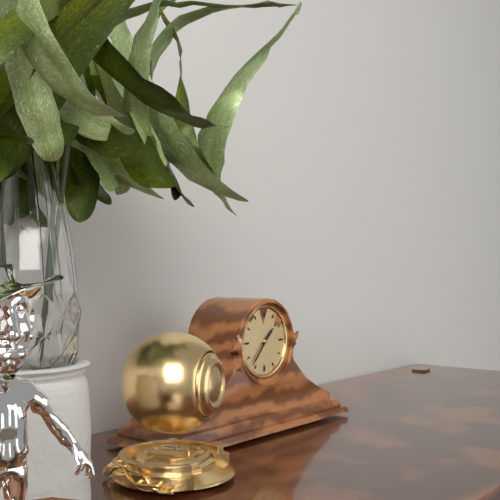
1:37
